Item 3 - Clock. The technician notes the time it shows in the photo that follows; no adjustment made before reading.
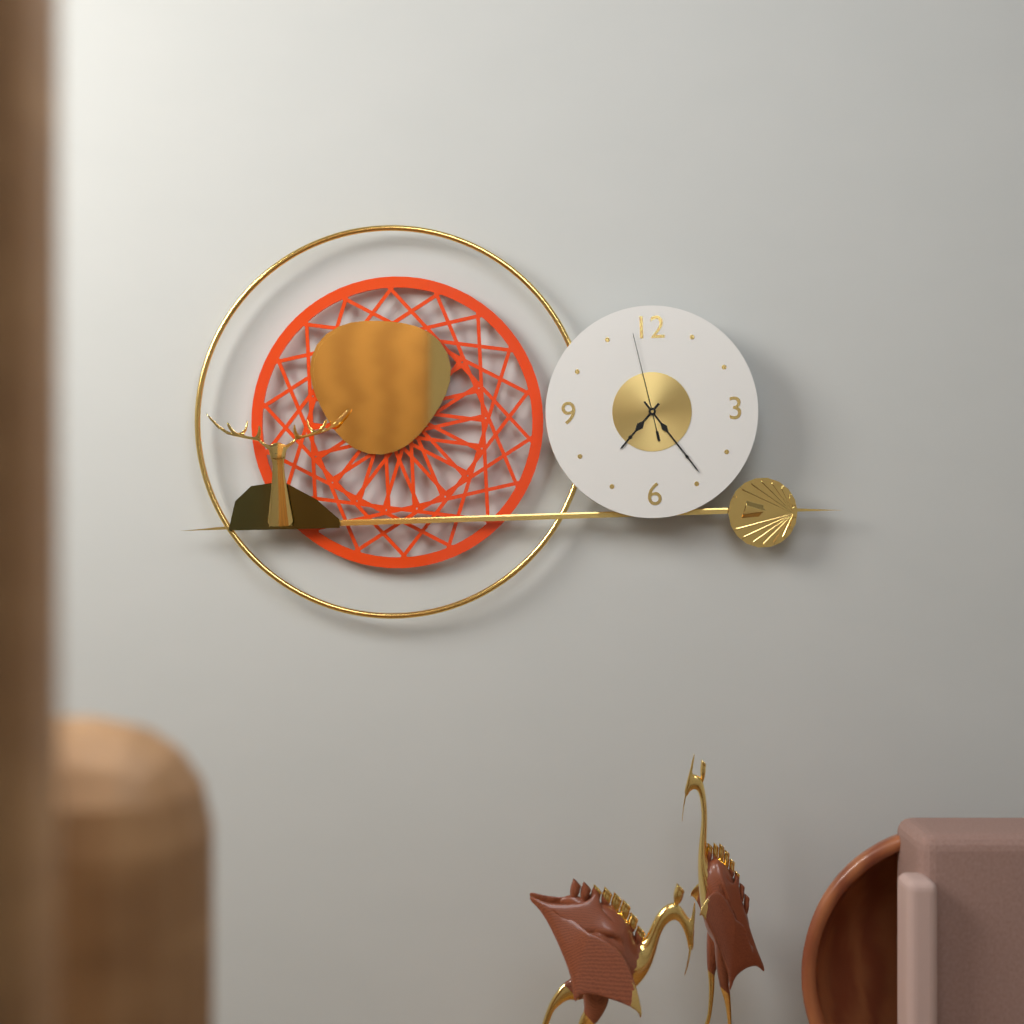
7:24:58
